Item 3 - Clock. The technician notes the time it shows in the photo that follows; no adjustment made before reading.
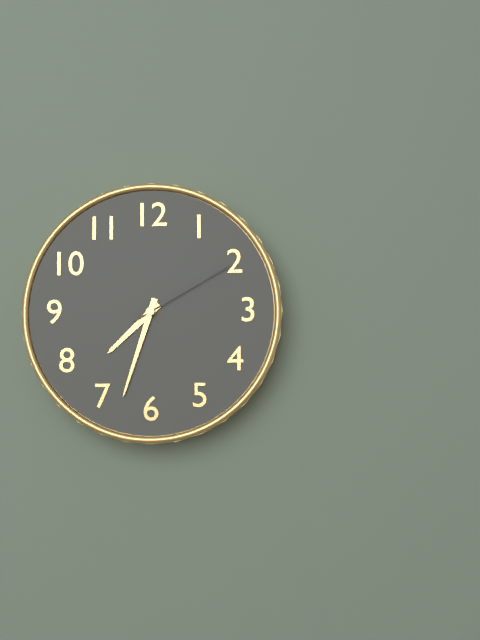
7:33:10
